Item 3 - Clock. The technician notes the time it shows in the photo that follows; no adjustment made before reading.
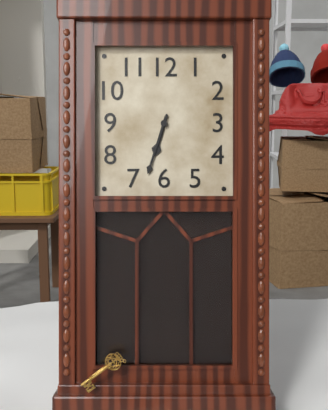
6:33
